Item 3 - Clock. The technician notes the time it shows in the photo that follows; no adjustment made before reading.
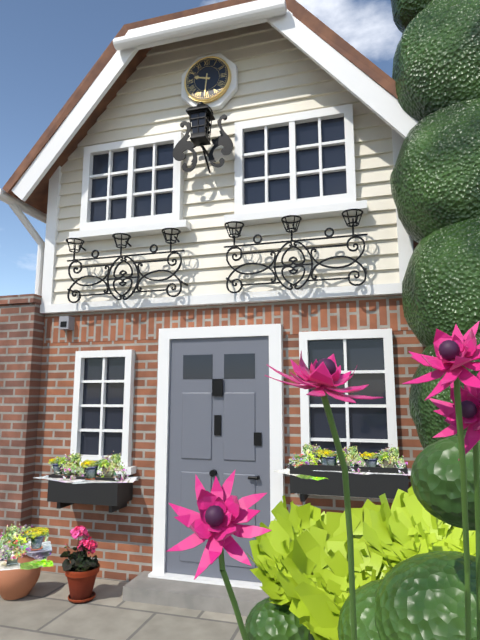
9:31
